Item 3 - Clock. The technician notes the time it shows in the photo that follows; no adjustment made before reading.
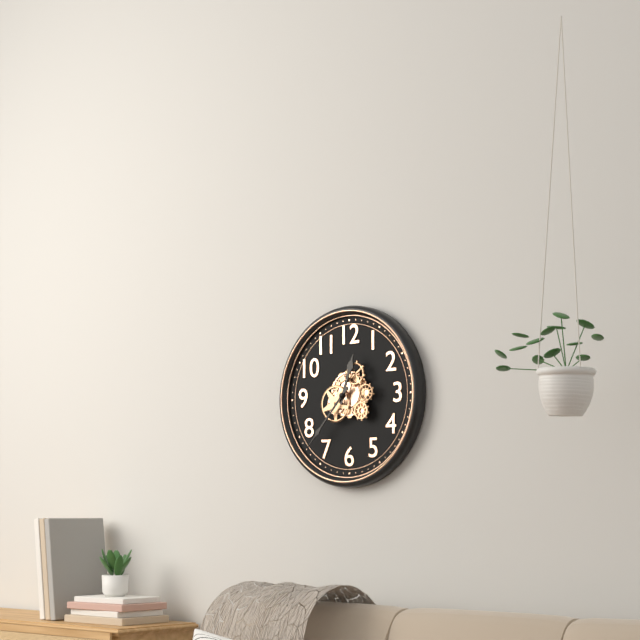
12:37
